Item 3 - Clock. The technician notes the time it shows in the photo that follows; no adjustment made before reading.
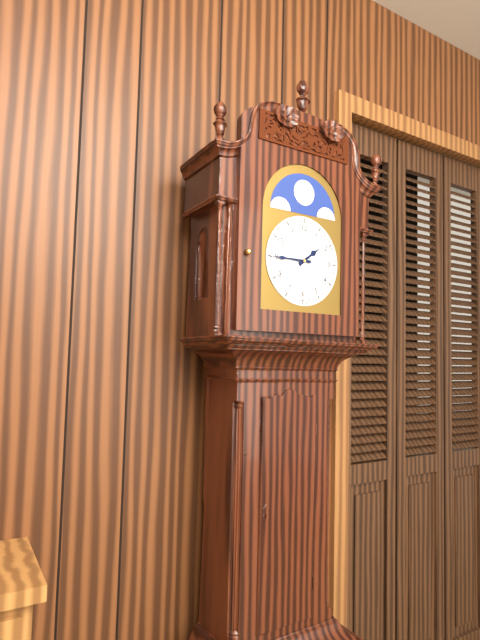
1:45
